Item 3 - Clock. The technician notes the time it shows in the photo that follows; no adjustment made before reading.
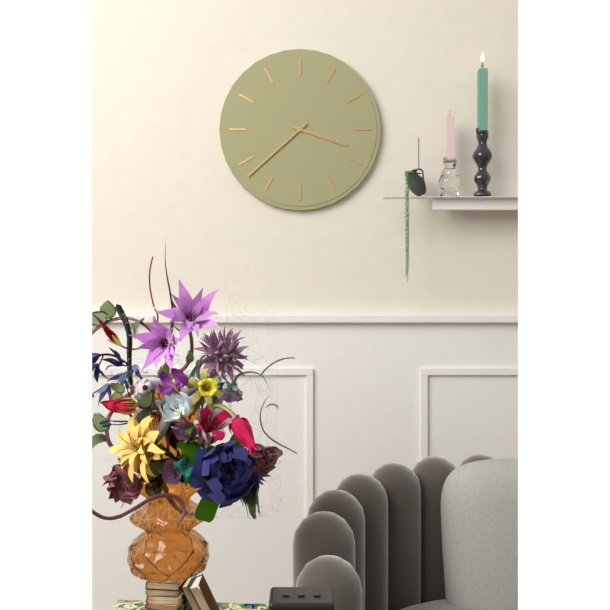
3:38
